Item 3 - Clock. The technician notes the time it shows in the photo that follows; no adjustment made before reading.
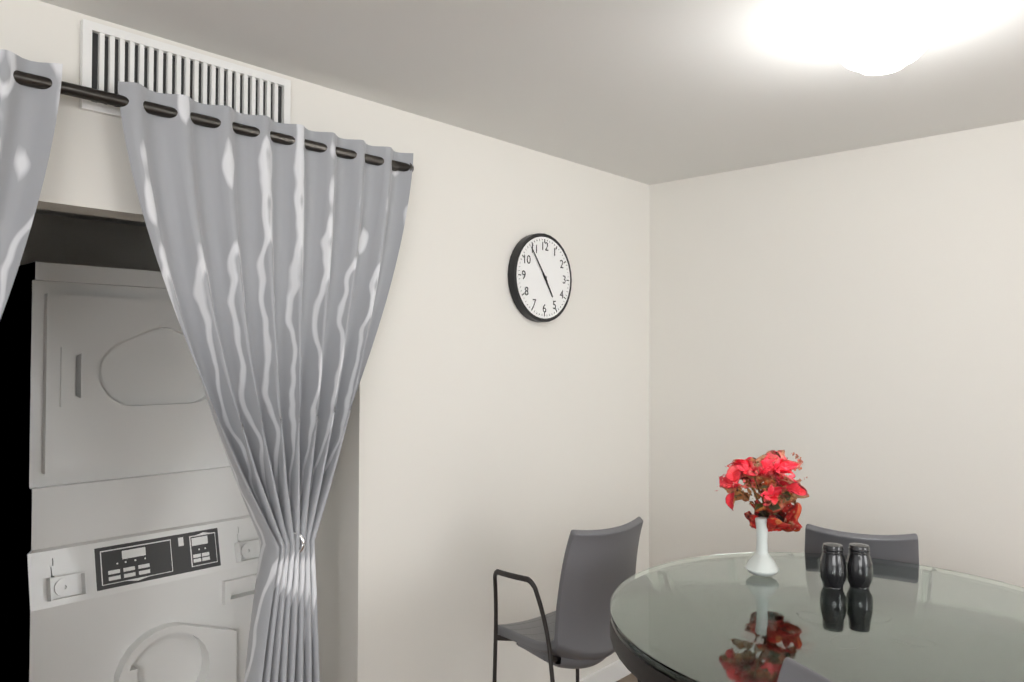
4:54
